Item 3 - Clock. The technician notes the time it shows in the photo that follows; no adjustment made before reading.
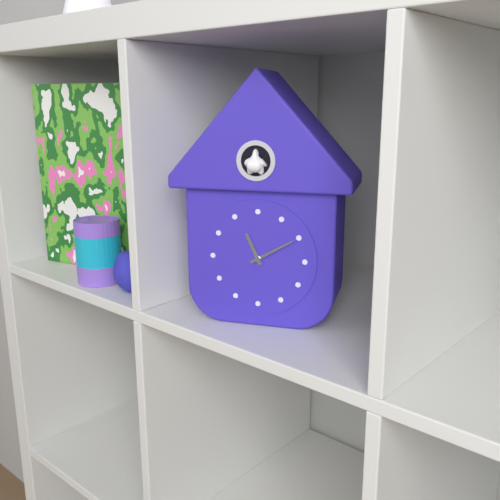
11:10
